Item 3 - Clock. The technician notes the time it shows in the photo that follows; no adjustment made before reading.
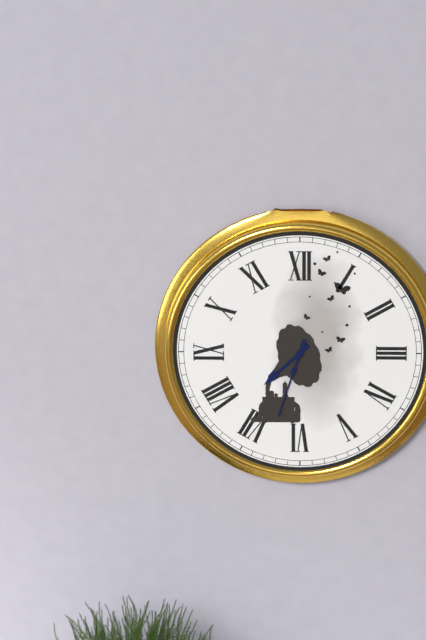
7:33
